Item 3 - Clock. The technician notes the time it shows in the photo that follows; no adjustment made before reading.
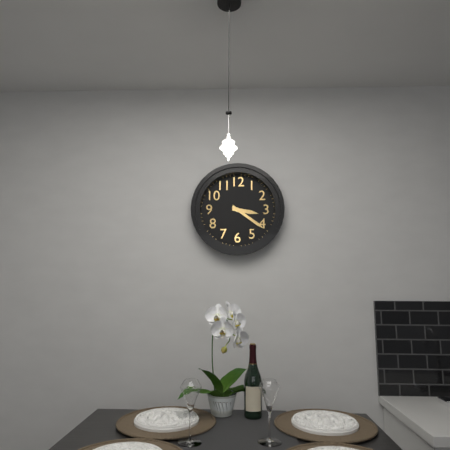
3:21
